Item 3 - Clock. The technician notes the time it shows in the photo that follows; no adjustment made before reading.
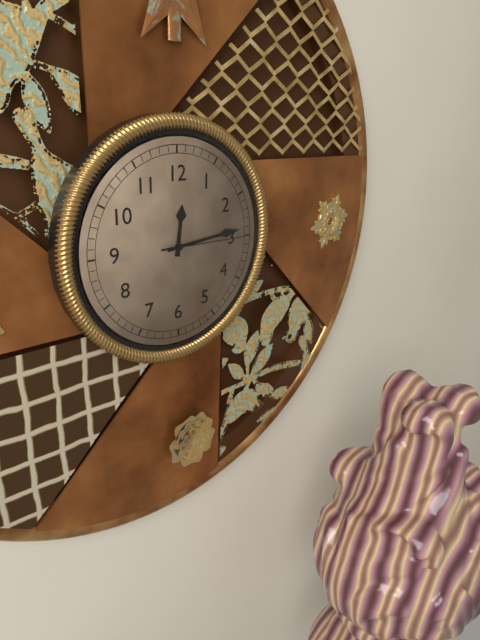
12:14:15
